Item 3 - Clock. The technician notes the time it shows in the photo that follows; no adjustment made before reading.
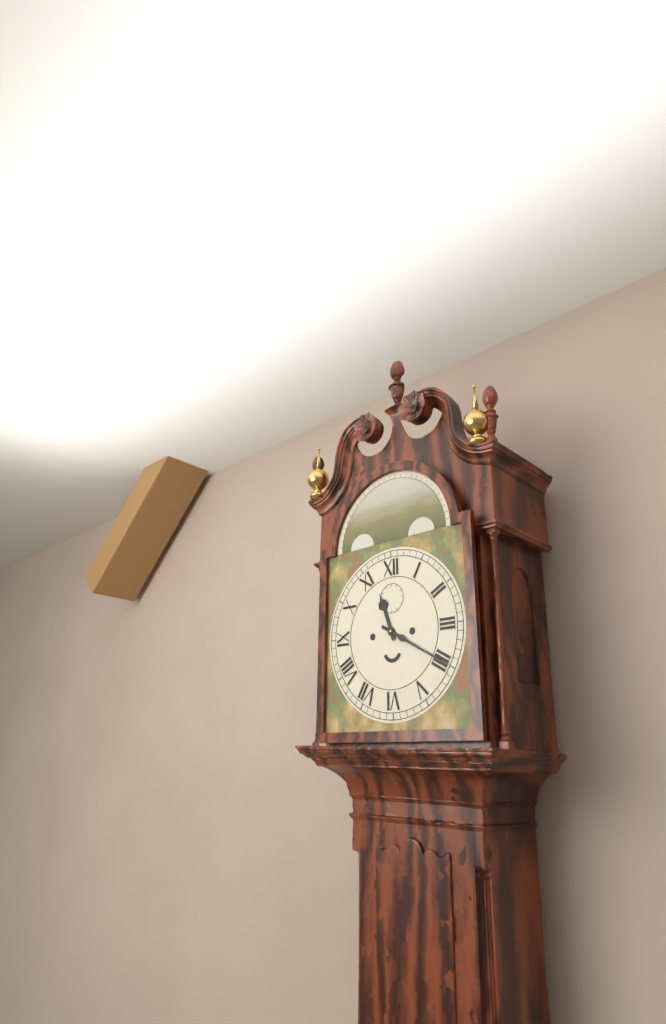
11:20
